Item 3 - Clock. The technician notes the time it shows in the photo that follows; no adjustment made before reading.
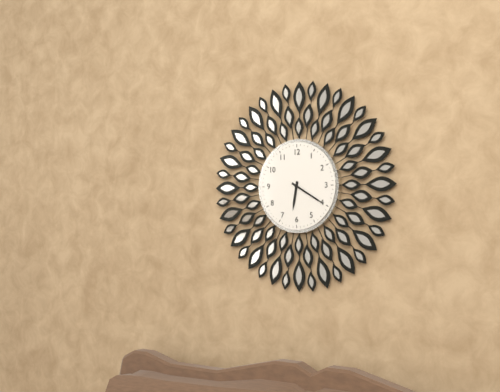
6:20
